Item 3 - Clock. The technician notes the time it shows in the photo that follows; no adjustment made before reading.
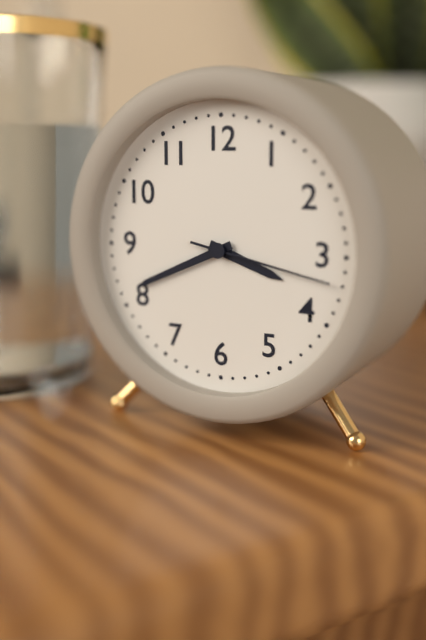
3:41:17
